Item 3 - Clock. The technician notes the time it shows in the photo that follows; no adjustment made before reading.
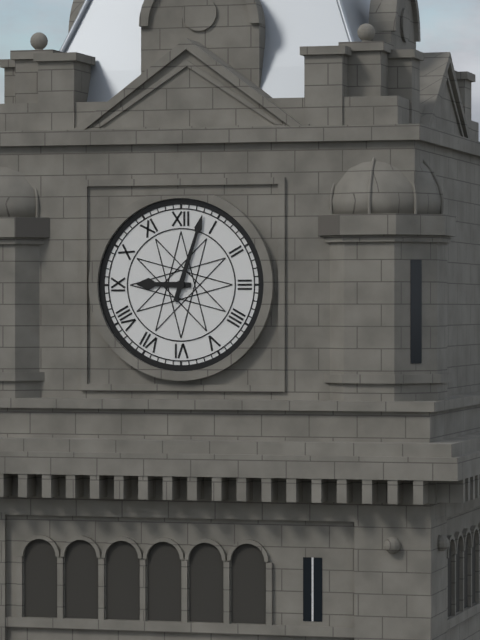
9:03
